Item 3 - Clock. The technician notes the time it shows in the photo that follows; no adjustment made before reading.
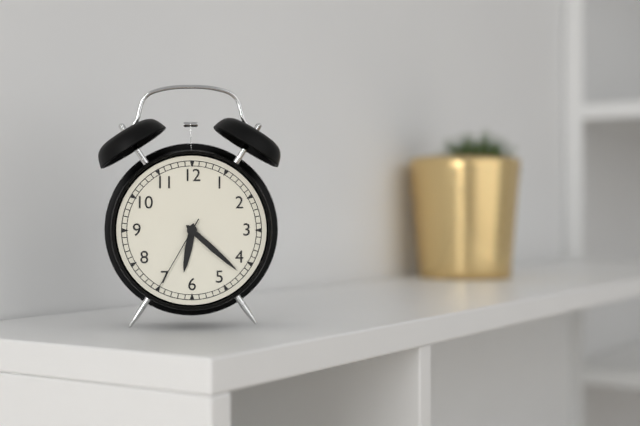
6:22:35
